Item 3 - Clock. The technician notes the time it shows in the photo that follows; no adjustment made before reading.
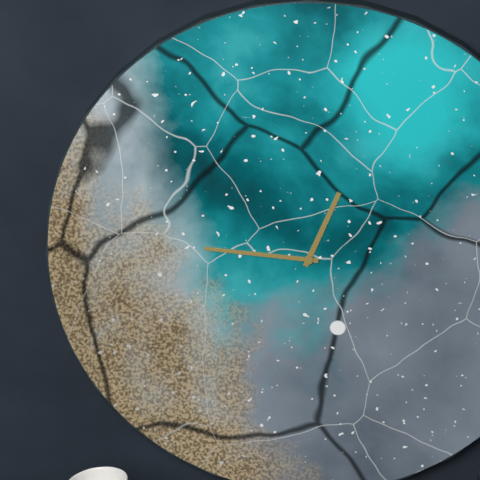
12:46
